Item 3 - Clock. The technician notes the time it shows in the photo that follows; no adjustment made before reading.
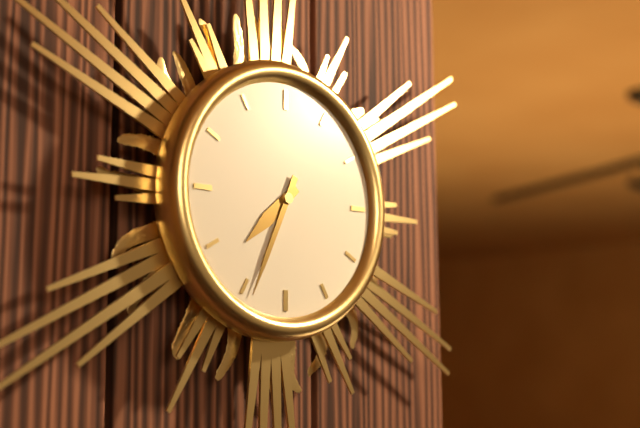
7:34
